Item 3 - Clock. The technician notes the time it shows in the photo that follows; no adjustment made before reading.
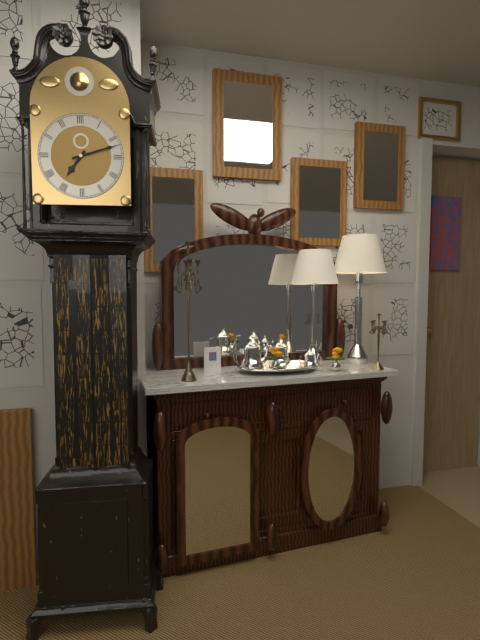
7:12
